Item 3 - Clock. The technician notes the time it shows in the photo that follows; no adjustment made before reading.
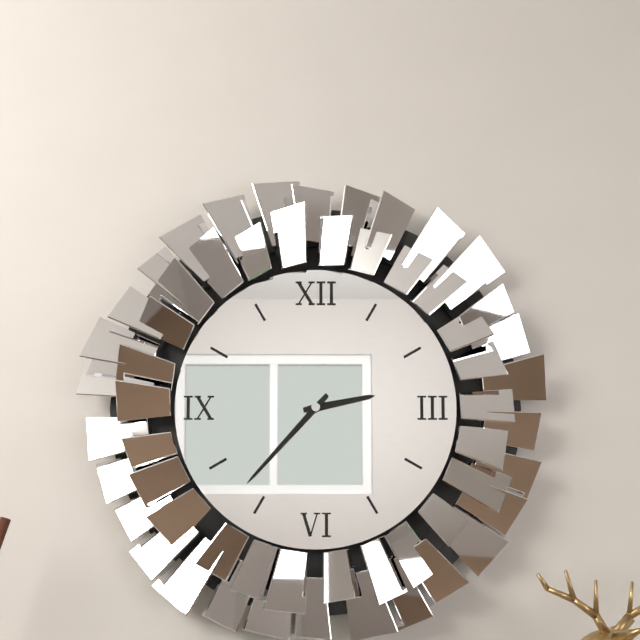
2:37
